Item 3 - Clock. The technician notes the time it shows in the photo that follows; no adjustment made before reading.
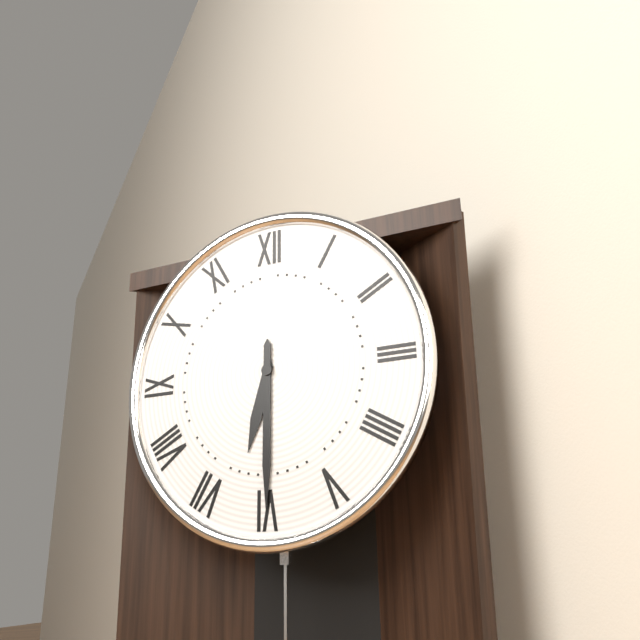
6:30
